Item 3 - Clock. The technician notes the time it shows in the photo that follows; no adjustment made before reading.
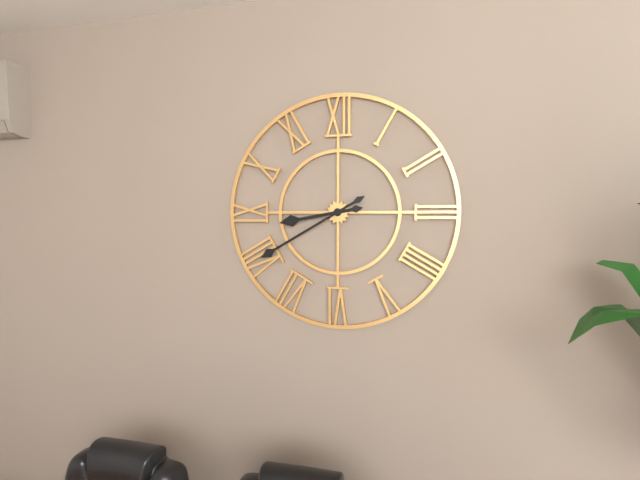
8:40
